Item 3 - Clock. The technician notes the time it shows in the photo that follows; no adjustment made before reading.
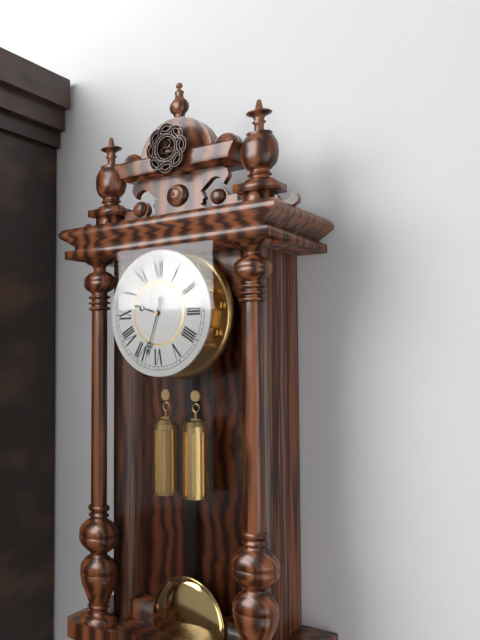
9:33
